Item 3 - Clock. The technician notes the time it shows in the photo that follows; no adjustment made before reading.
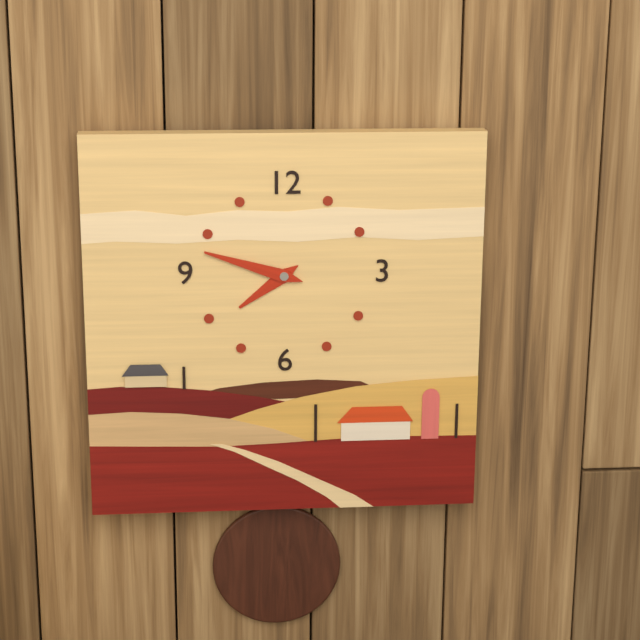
7:48
